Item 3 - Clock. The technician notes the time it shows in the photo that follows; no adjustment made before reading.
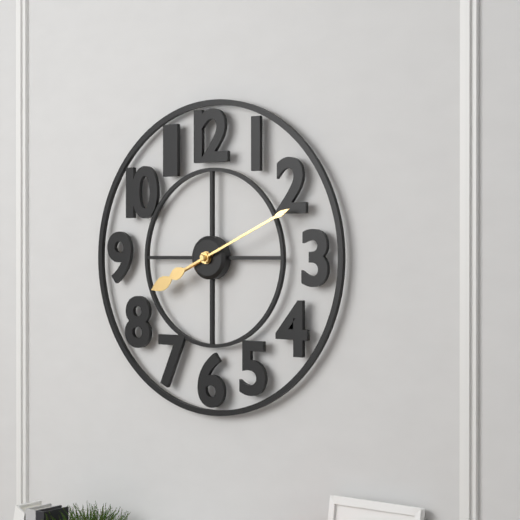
8:11
